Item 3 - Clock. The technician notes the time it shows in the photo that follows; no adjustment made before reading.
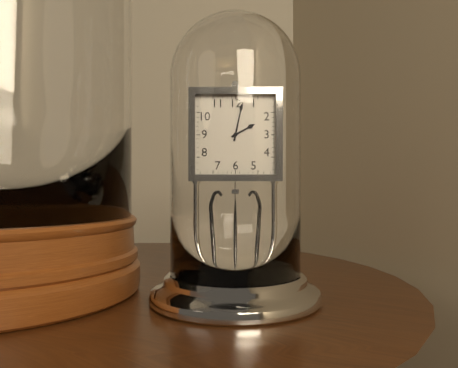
2:02
